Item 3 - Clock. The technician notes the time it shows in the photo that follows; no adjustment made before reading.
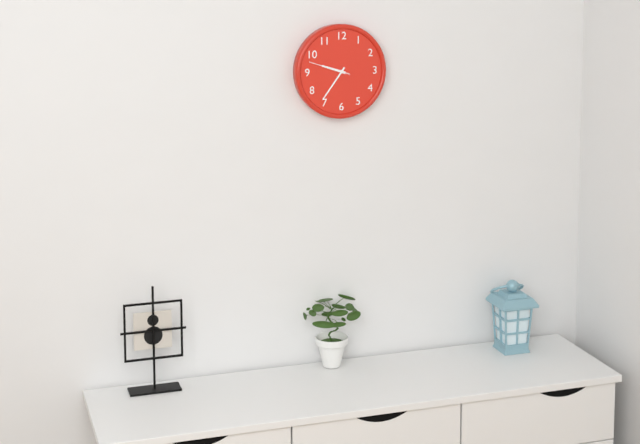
9:36
